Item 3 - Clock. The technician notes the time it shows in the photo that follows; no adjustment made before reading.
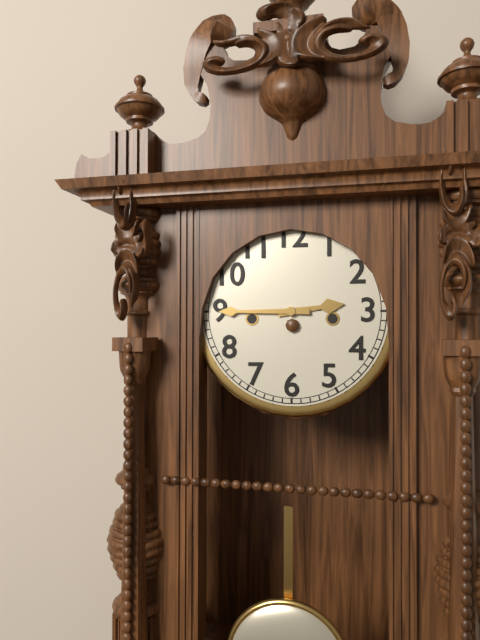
2:45
